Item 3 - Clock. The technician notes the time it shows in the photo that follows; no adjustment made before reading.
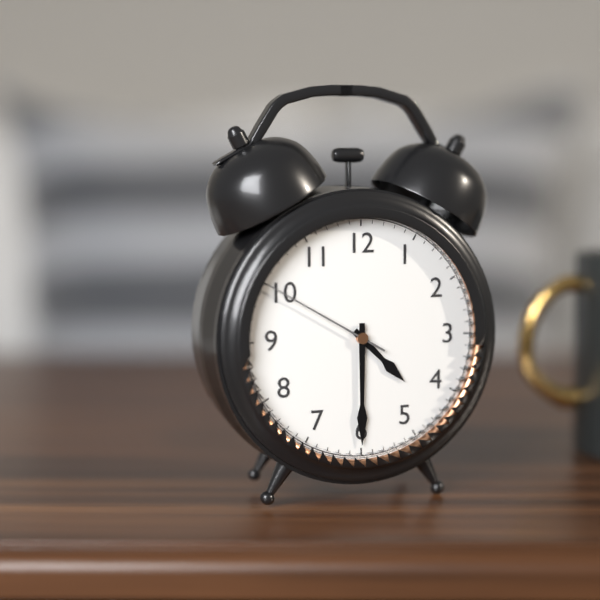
4:30:50
